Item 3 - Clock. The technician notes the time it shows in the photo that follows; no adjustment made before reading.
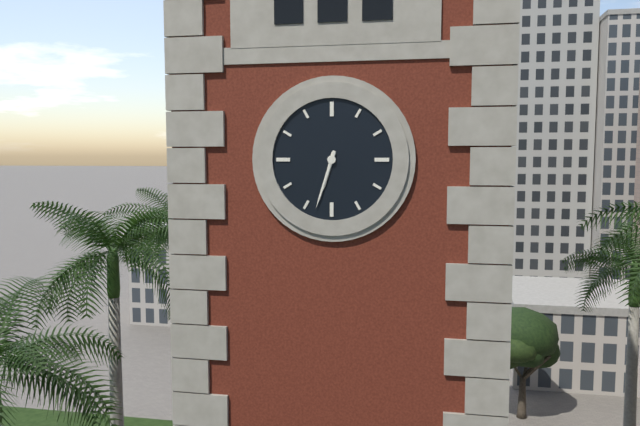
6:33
